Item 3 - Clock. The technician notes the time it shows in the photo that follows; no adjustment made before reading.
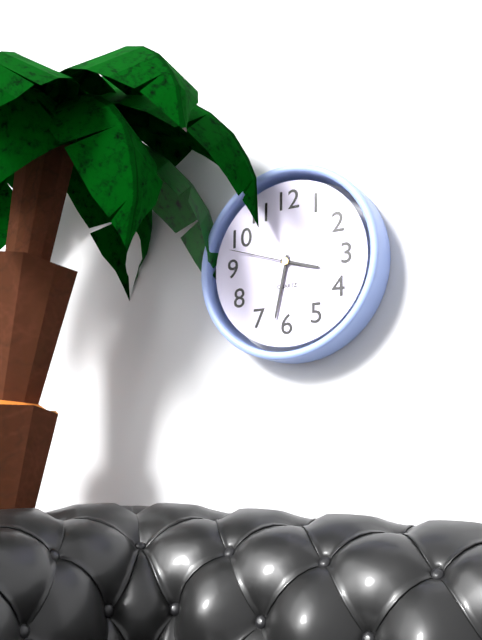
3:32:48
